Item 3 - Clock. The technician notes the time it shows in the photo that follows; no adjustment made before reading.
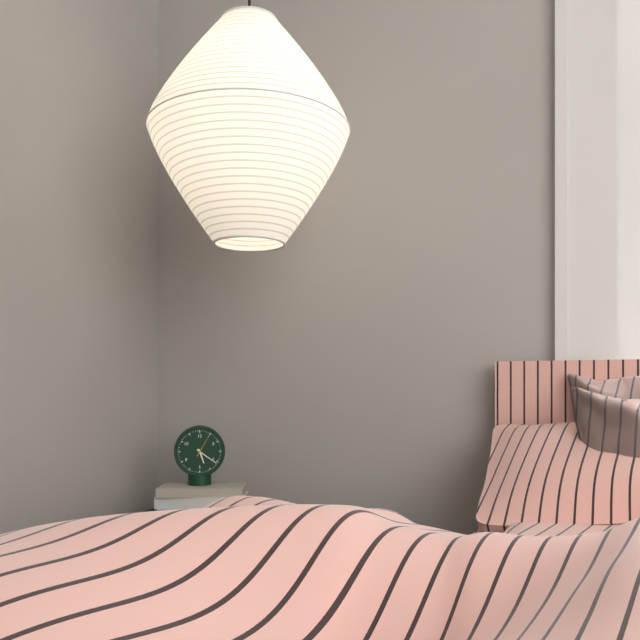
5:21
